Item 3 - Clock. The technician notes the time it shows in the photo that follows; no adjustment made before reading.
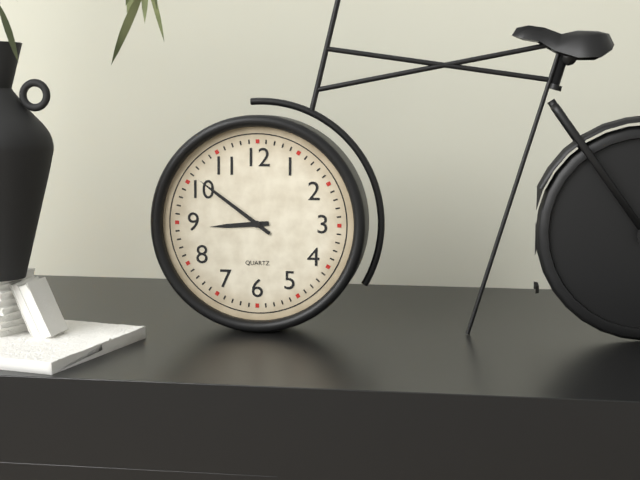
8:51
